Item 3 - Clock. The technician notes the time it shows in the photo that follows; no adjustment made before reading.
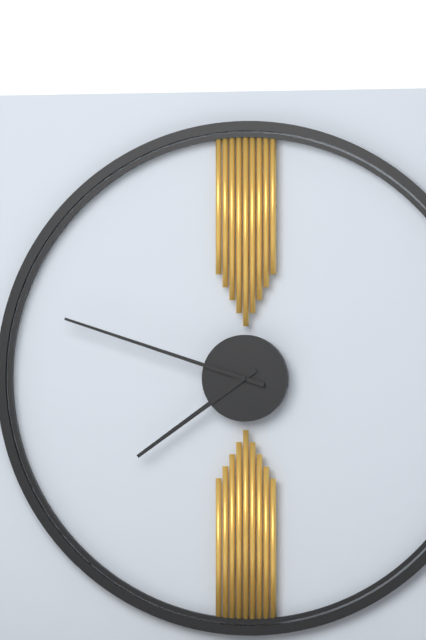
7:48
